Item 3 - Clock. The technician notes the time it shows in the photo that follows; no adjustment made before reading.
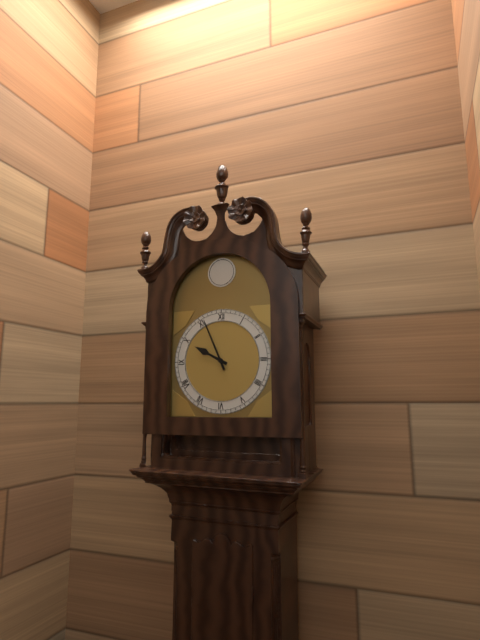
9:56
